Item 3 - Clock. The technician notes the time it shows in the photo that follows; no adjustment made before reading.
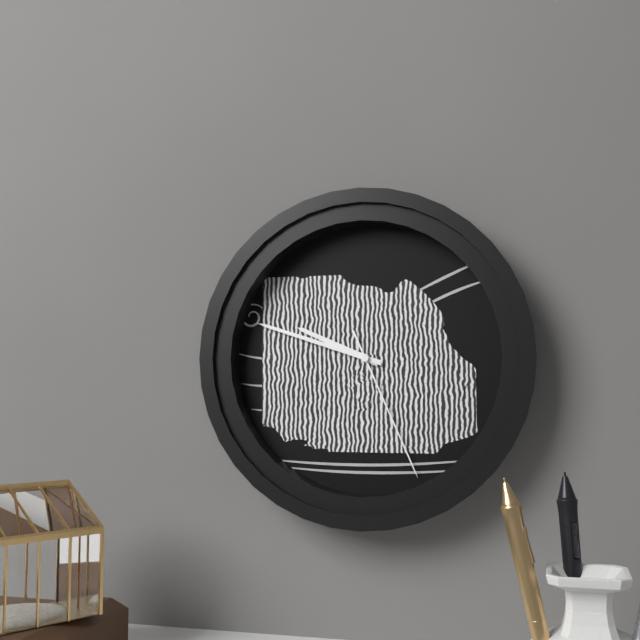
9:48:26
